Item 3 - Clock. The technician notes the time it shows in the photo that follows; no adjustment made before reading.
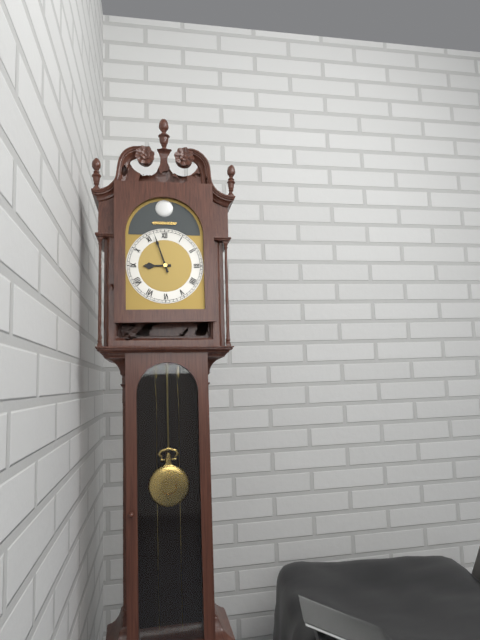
8:57
